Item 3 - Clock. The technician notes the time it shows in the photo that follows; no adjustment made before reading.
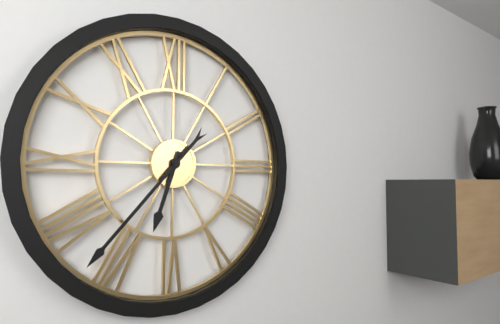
6:37
